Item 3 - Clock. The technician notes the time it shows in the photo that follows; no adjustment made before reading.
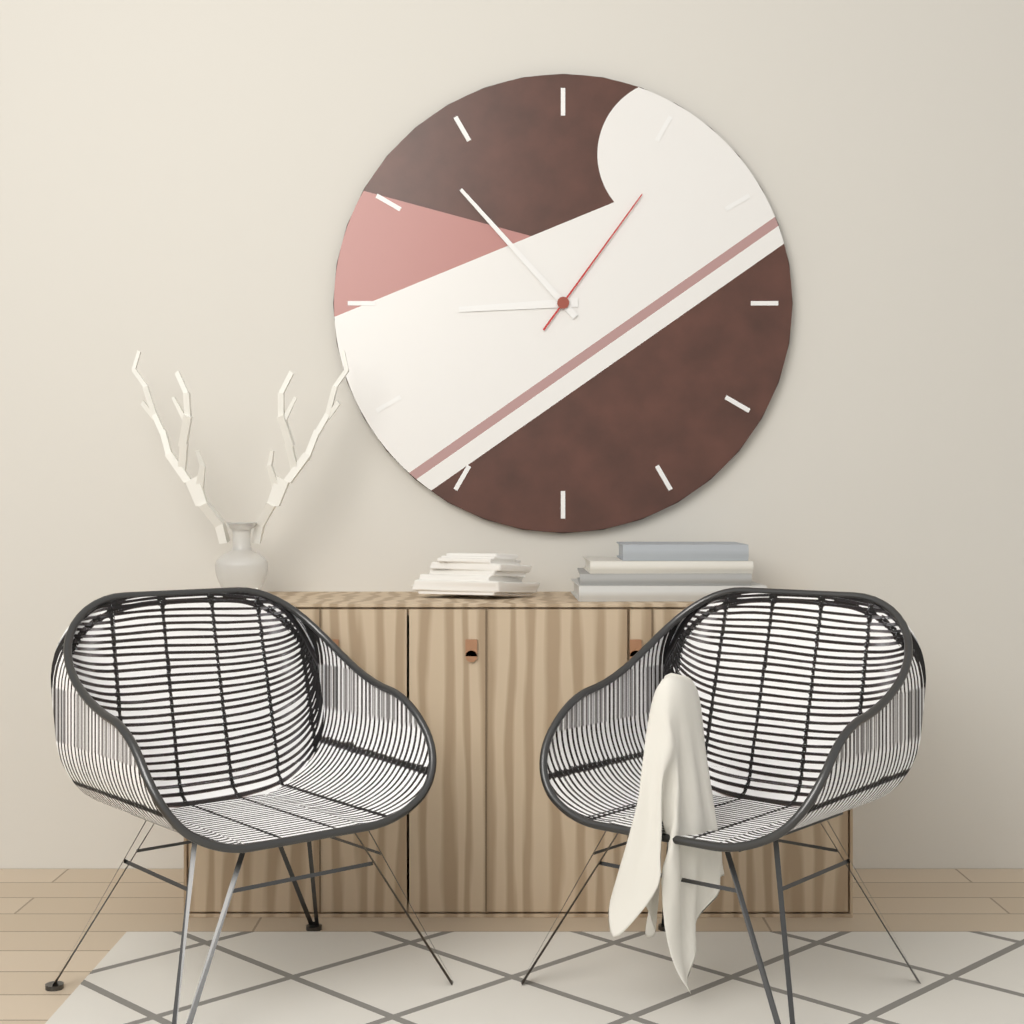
8:53:06
